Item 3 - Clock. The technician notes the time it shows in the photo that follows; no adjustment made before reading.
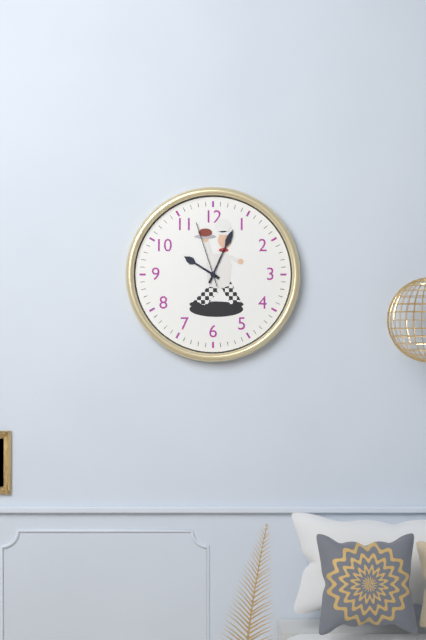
10:04:57
